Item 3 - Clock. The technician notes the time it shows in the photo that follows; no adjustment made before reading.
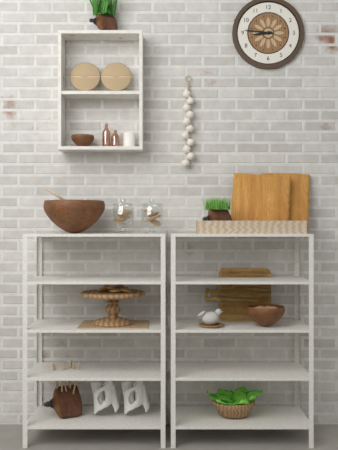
8:46
